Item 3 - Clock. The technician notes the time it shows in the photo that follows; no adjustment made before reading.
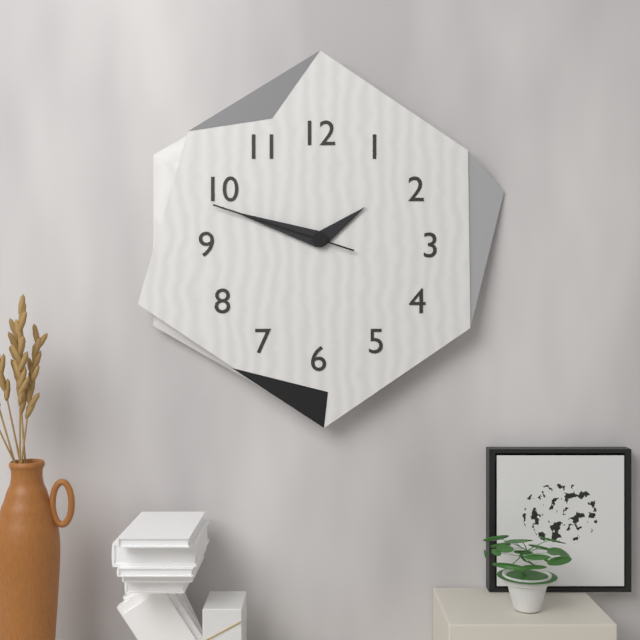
1:48:48
